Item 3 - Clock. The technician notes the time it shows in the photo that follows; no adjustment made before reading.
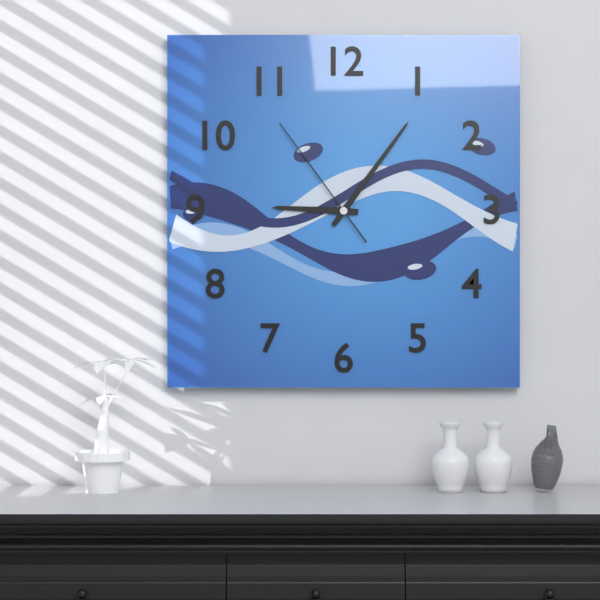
9:06:54
